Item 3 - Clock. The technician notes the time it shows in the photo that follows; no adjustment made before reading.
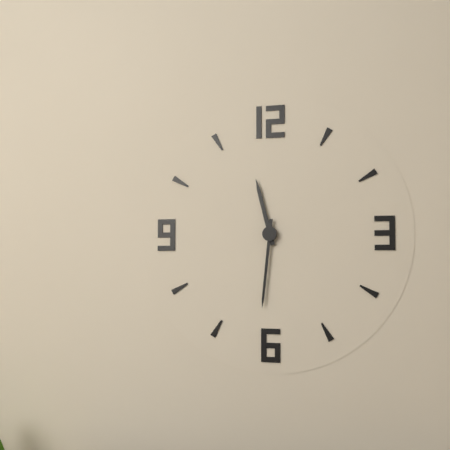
11:31
